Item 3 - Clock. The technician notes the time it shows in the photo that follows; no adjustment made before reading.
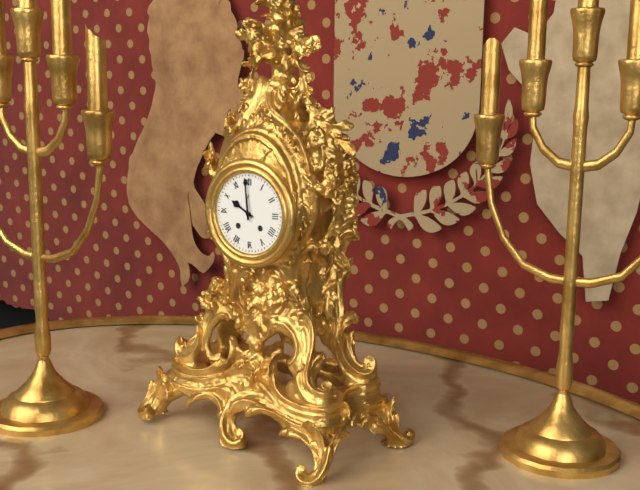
9:59
